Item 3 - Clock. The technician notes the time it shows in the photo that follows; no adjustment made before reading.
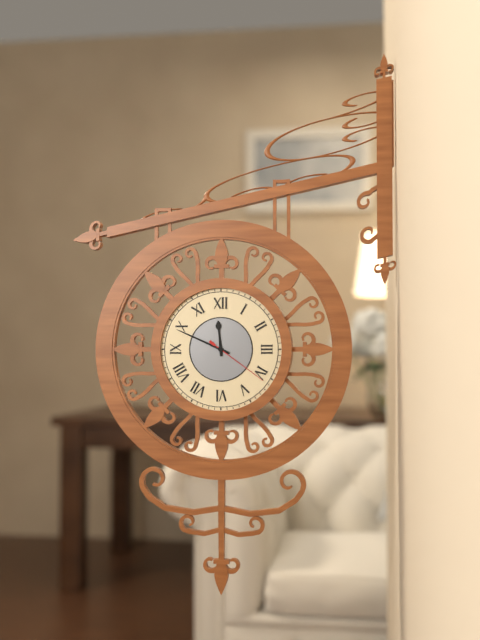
11:49:21
